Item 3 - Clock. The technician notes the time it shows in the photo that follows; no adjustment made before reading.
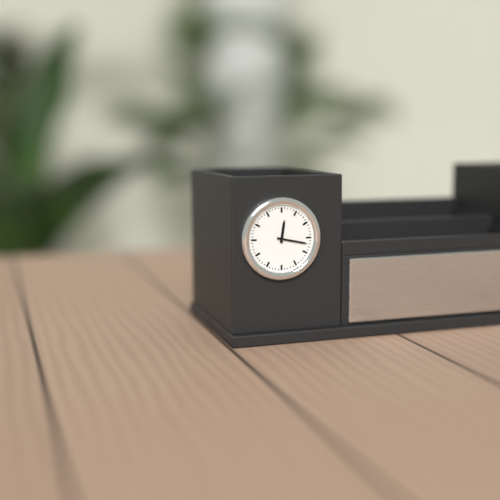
12:17
